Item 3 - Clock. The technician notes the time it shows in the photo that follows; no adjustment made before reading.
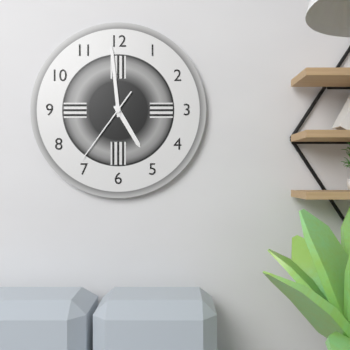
4:59:36
